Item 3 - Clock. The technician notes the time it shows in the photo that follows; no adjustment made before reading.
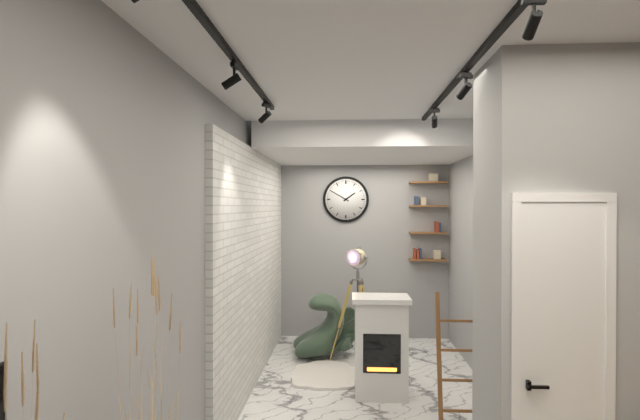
1:50
